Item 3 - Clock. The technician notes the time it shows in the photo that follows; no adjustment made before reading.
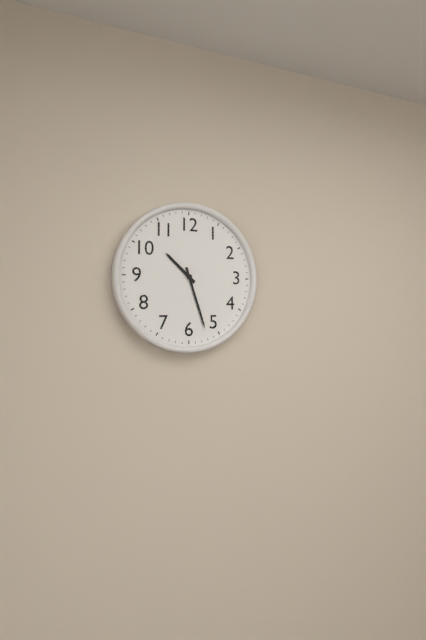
10:27
